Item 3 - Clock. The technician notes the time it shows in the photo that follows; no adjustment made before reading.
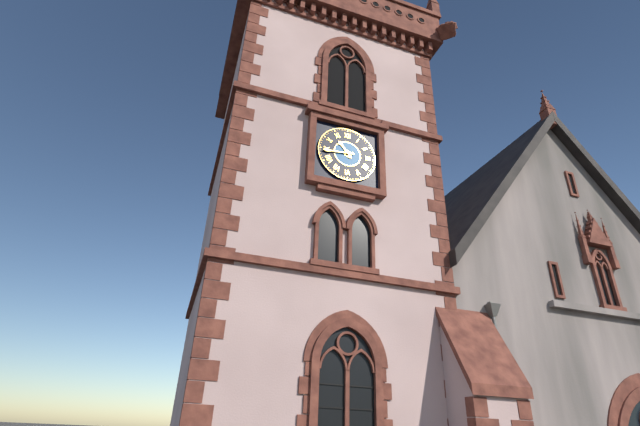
10:44
